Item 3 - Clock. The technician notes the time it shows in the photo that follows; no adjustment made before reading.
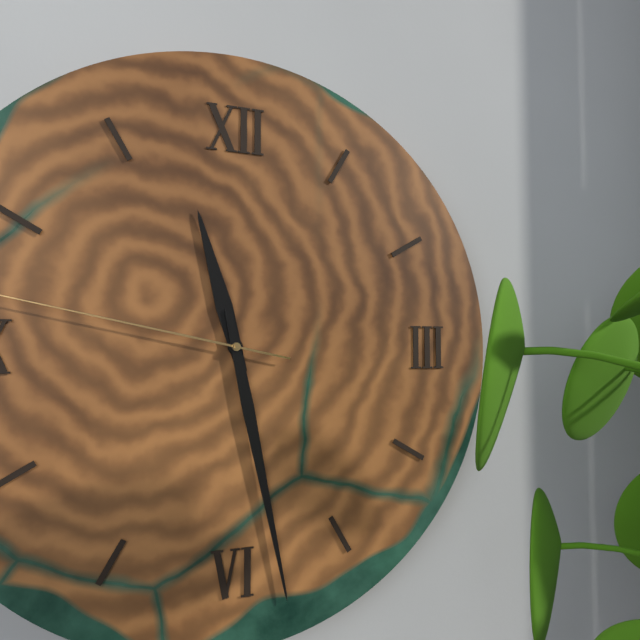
11:28
